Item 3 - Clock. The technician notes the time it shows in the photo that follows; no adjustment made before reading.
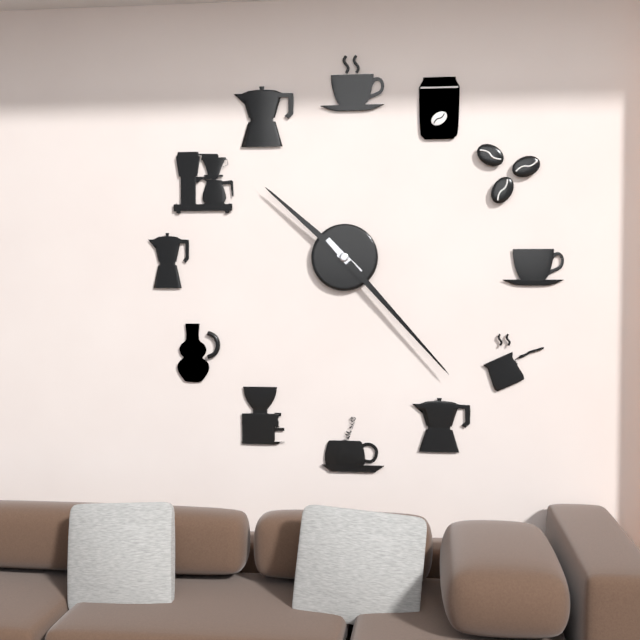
10:23
